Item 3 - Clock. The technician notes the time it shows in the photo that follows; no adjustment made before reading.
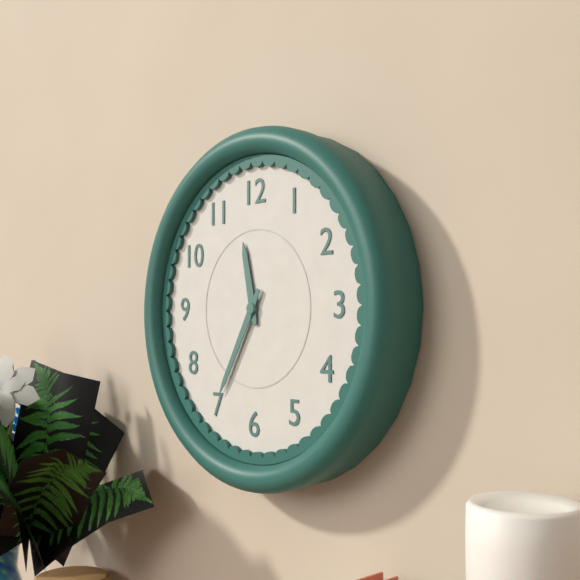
11:35
